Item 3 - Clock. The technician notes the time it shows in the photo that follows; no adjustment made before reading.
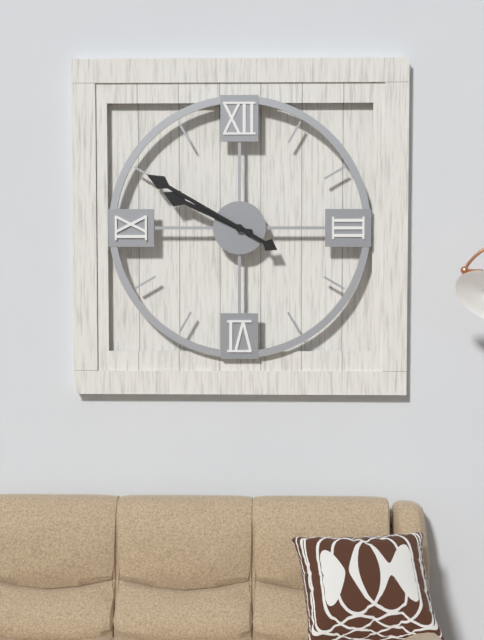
9:50
